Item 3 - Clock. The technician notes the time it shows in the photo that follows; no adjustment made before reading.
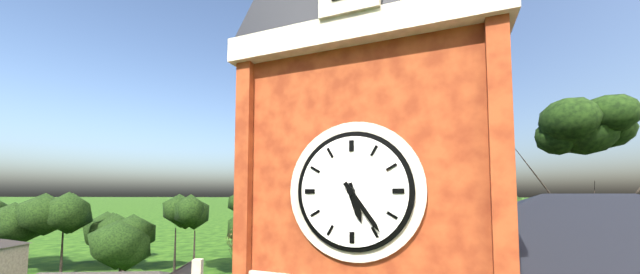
5:24
